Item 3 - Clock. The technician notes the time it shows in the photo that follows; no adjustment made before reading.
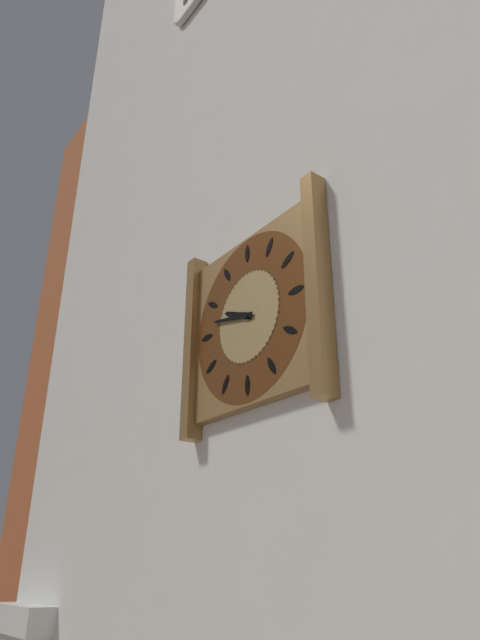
9:47
